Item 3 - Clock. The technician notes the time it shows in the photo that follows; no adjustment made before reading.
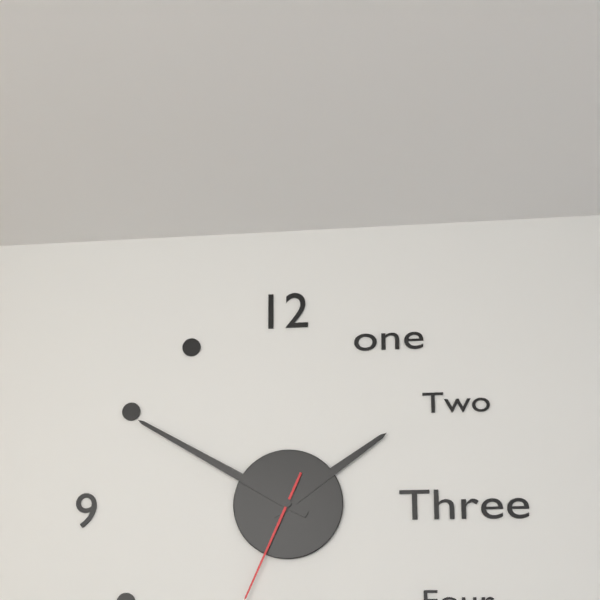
1:50
